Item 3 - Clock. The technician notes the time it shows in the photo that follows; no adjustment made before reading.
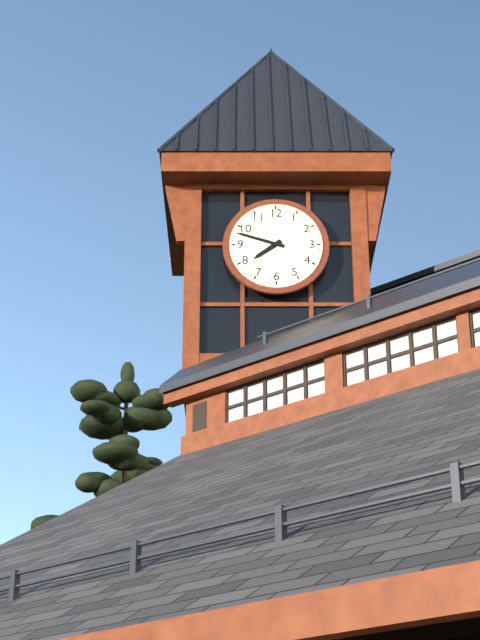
7:48
